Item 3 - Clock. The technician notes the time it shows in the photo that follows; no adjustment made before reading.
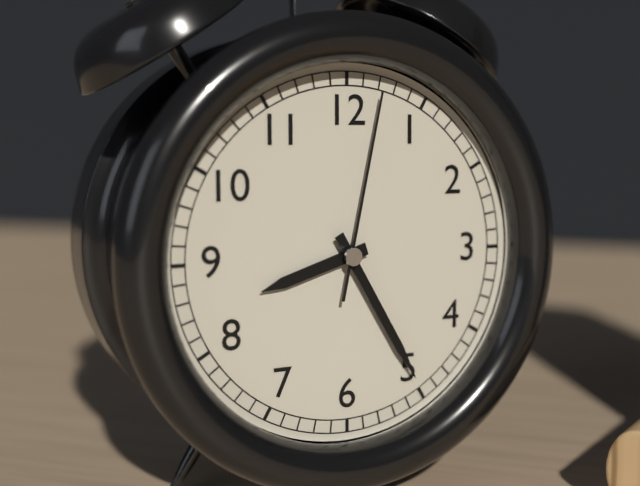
8:25:02
